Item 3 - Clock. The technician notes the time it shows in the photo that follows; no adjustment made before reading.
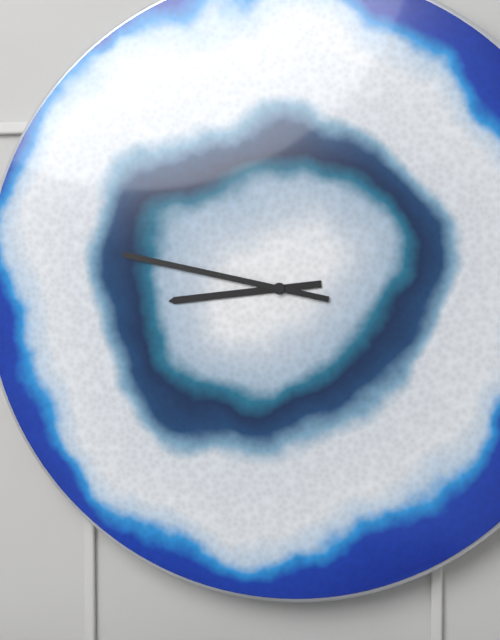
8:47
